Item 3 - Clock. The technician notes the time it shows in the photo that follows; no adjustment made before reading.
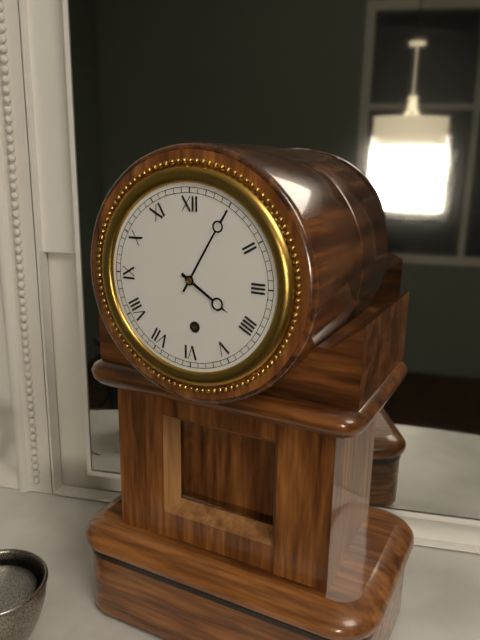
4:05
